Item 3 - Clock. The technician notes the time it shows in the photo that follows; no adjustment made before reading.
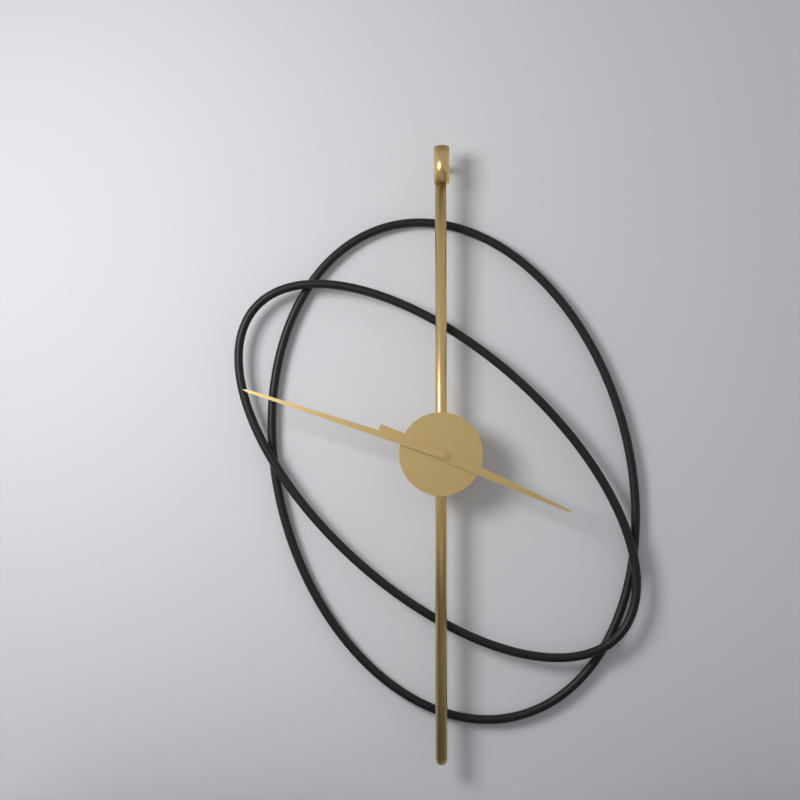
3:48
